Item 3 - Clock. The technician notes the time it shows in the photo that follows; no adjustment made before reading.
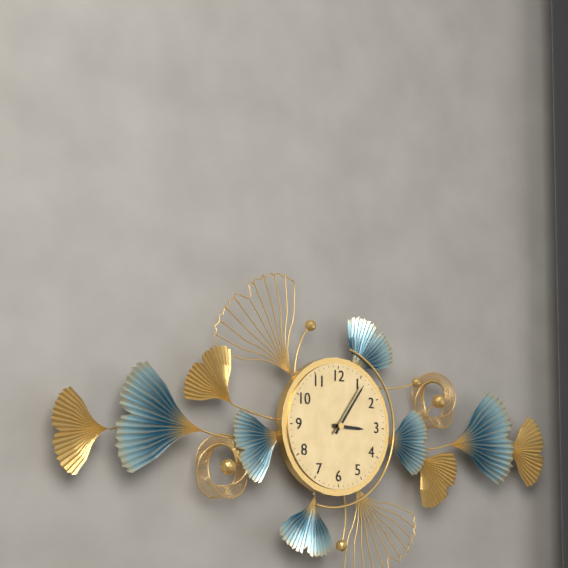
3:06
